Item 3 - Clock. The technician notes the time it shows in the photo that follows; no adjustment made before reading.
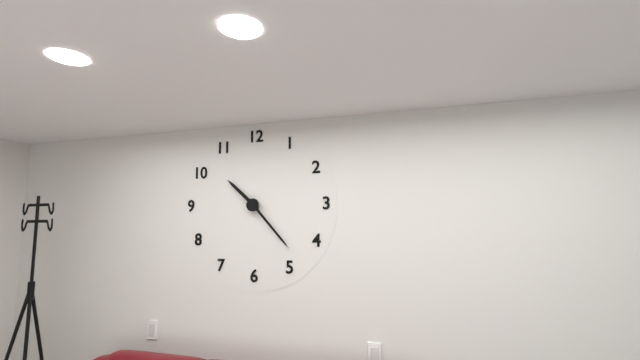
10:23
